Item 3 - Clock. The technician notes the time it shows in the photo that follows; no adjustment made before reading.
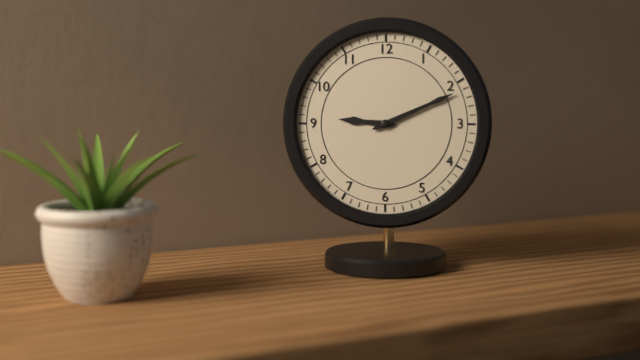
9:11
